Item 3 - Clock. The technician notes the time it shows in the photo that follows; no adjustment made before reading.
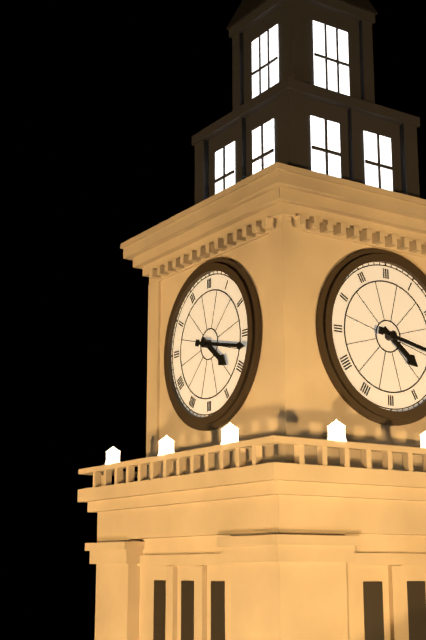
4:17
